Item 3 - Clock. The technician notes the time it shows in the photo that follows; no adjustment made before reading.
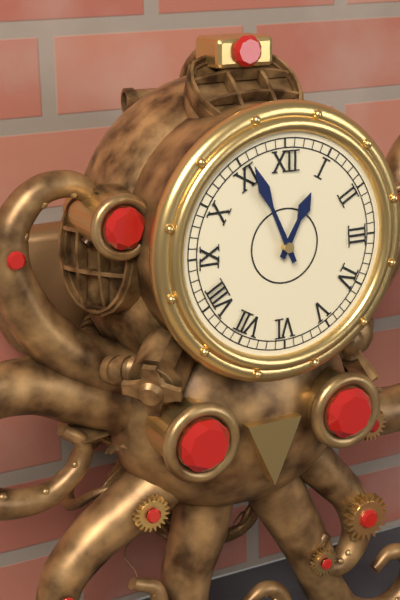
12:56
